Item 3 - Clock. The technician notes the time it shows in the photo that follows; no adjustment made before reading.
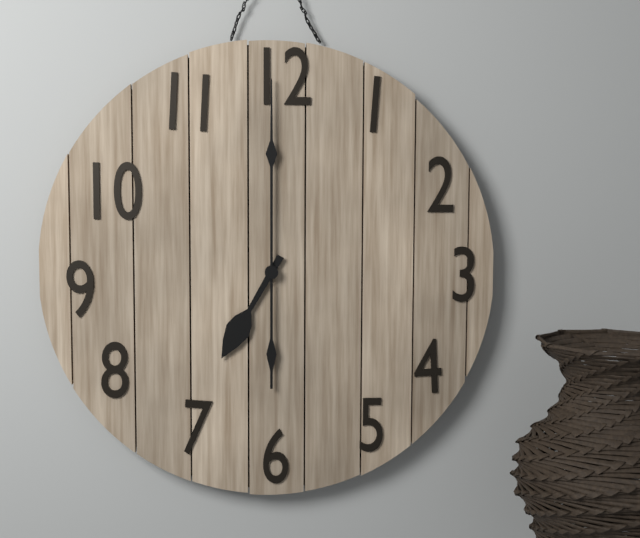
7:00
